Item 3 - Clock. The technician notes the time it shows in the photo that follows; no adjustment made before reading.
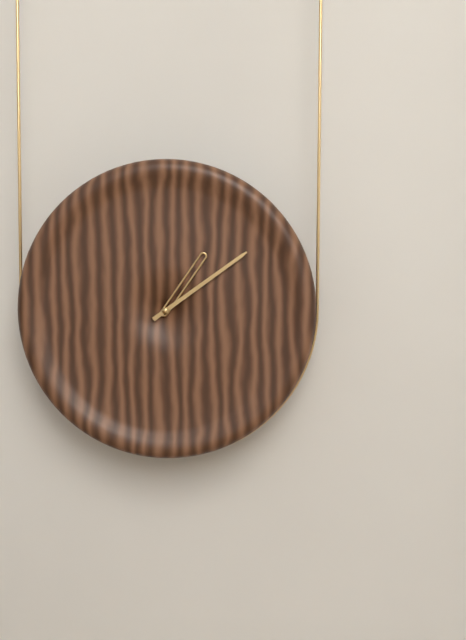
1:09
